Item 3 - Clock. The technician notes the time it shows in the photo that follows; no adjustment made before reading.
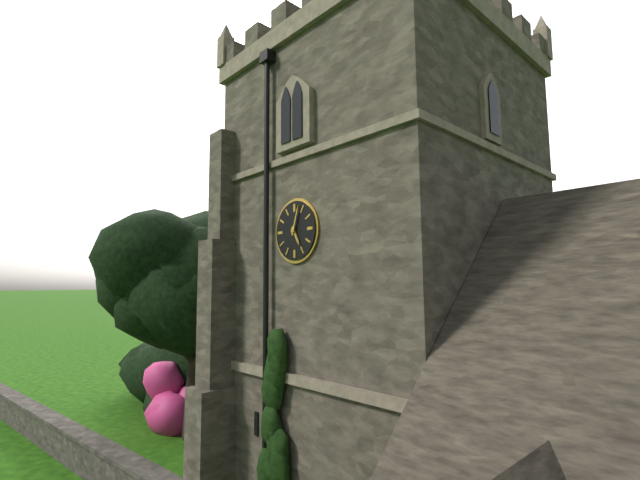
5:03
